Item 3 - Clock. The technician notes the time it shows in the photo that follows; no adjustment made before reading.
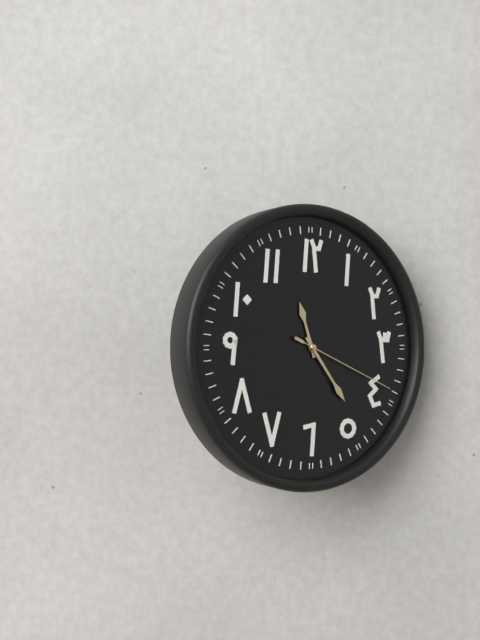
11:24:19
